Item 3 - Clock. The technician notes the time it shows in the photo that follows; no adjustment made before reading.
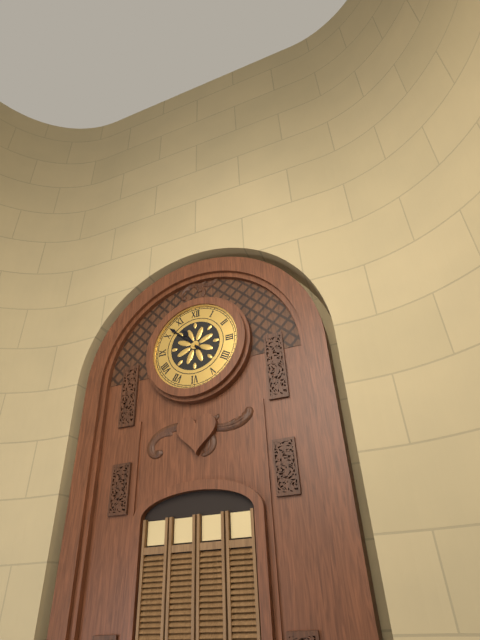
10:52
